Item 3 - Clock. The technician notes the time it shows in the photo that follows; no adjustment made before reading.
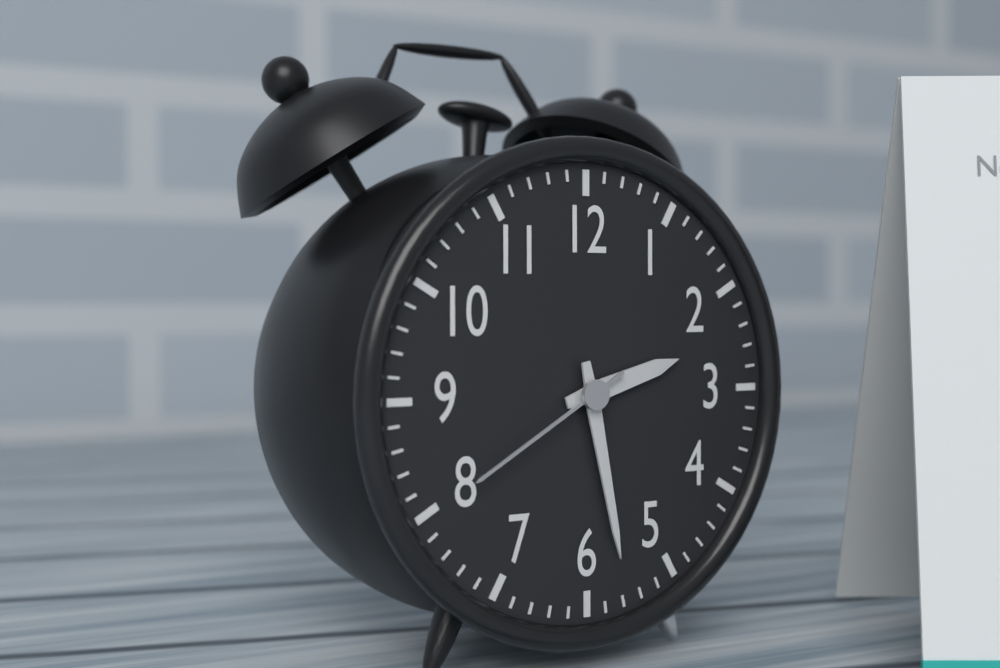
2:28:40
